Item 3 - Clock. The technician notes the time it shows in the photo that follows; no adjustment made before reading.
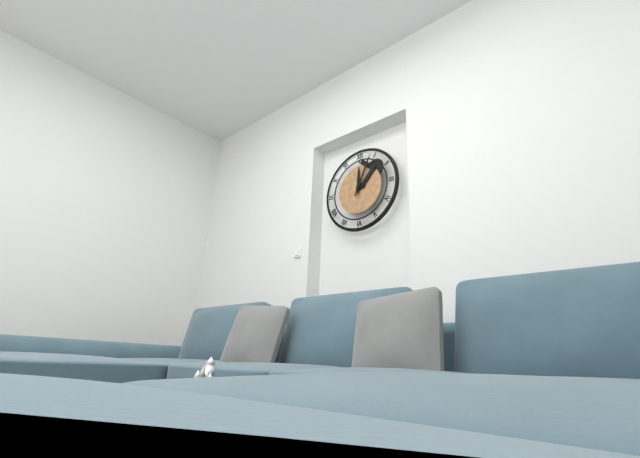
12:04
